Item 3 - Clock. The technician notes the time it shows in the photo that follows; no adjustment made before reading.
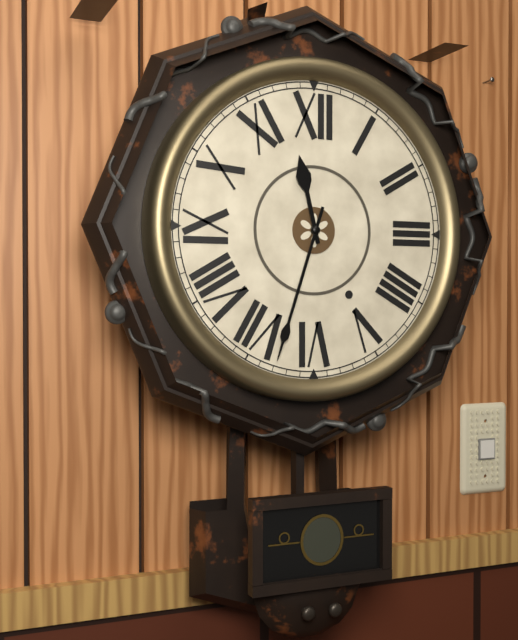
11:33
